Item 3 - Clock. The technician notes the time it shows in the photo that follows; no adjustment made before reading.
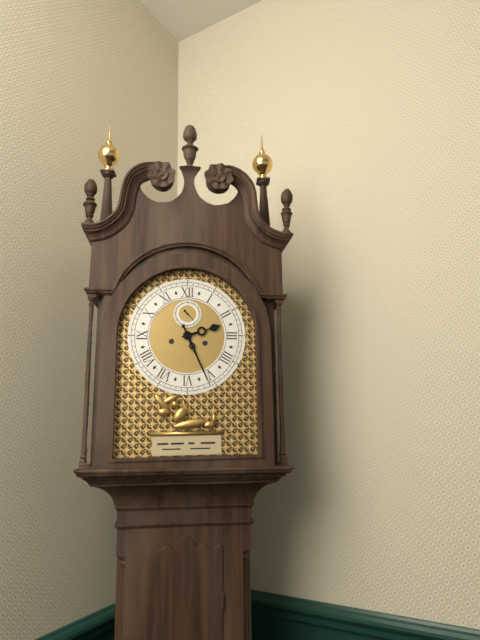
2:26
